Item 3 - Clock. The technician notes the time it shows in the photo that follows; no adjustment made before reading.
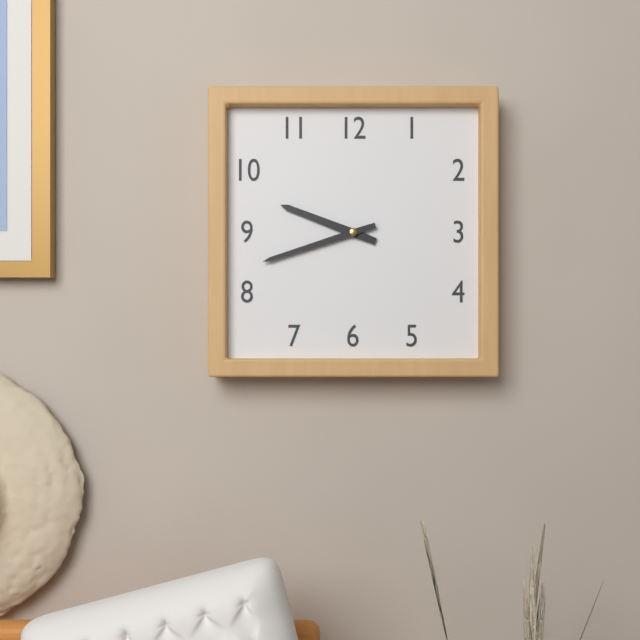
9:42
